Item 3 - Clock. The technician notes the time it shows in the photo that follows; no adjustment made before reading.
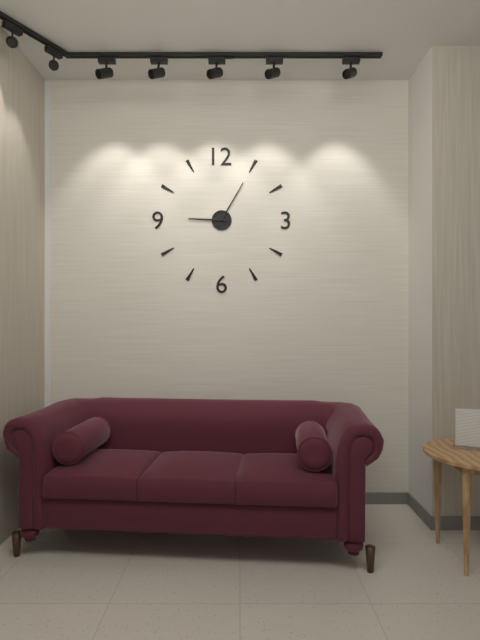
9:05
